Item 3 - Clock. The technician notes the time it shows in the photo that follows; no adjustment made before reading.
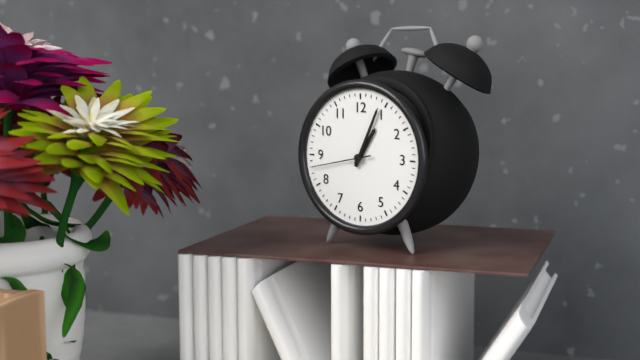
1:04:43
